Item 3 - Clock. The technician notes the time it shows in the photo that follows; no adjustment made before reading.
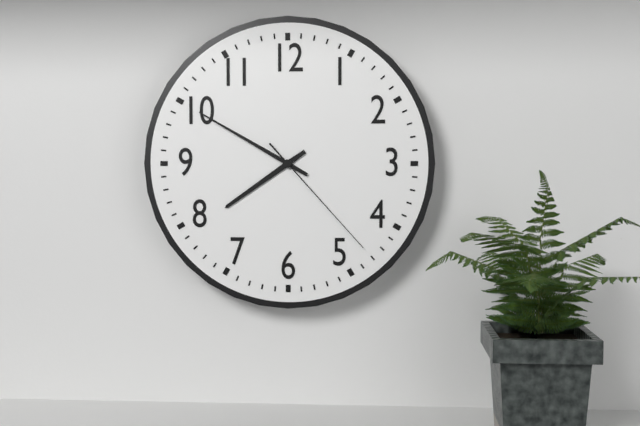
7:50:23
